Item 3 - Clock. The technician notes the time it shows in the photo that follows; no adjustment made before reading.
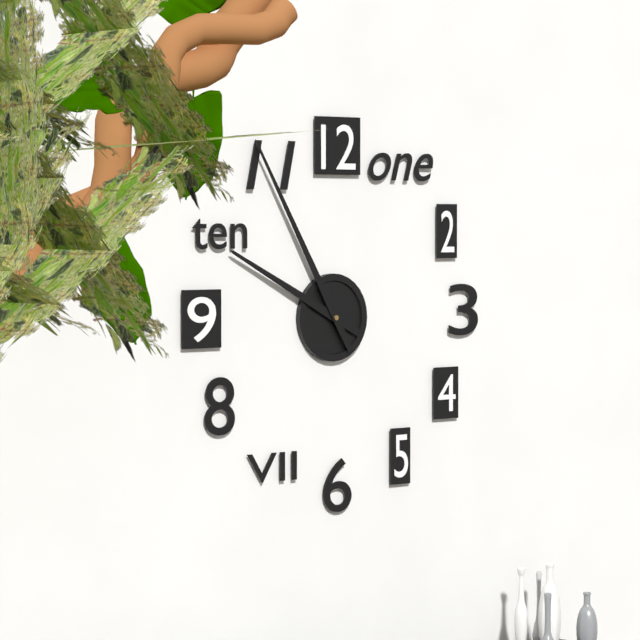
9:55
